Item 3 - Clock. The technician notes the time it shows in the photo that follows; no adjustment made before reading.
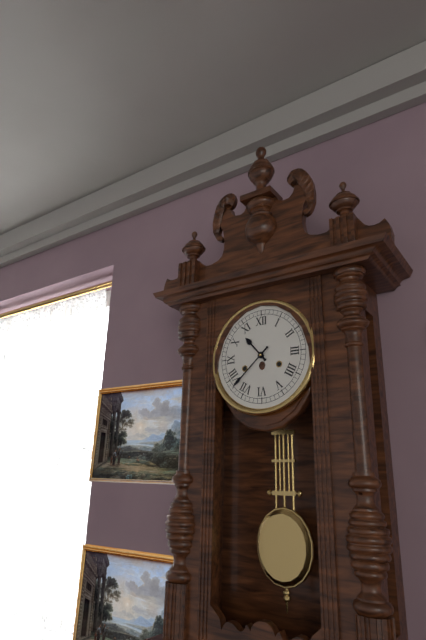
10:38
